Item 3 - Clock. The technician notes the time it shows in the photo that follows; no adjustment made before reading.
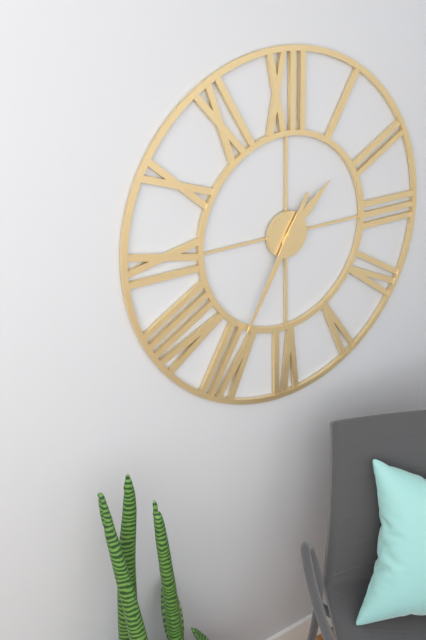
1:35
